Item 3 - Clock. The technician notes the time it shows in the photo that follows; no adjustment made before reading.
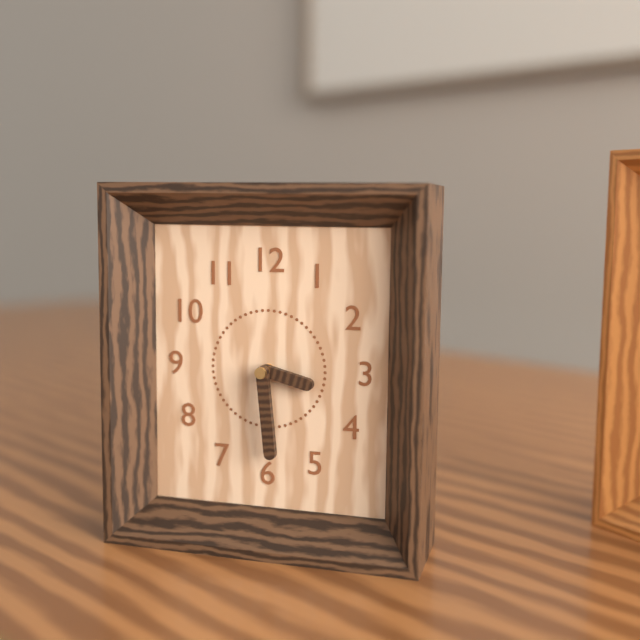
3:29
